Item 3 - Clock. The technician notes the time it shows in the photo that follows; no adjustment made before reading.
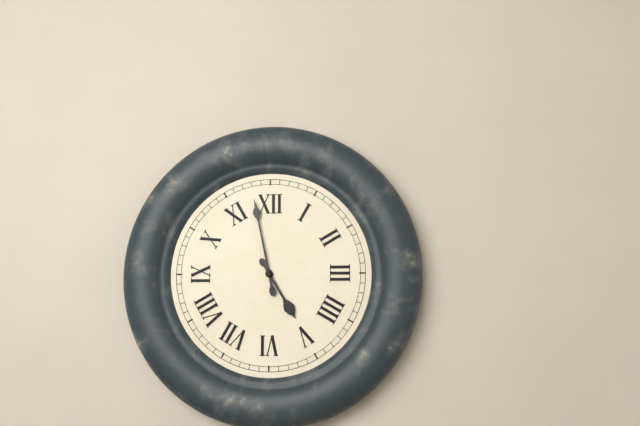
4:58
